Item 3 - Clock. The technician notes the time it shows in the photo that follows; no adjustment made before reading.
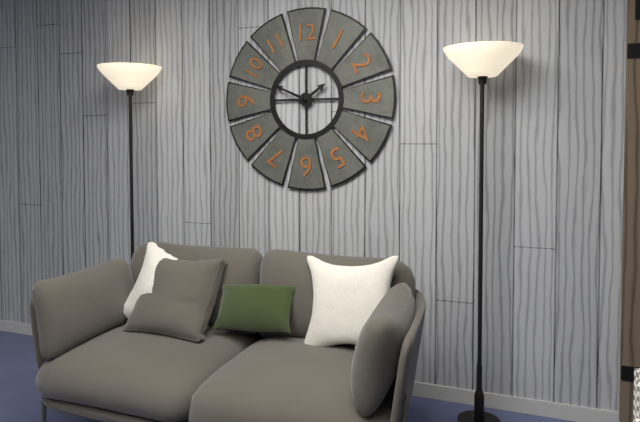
1:49
